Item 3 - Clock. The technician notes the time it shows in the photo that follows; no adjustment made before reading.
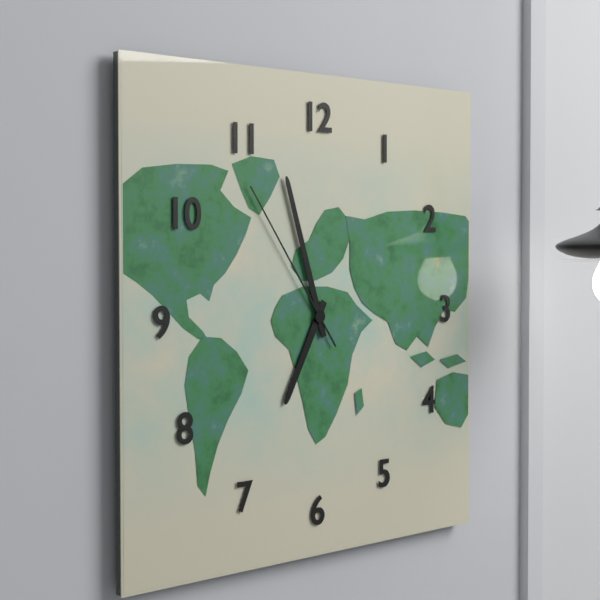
6:57:54
